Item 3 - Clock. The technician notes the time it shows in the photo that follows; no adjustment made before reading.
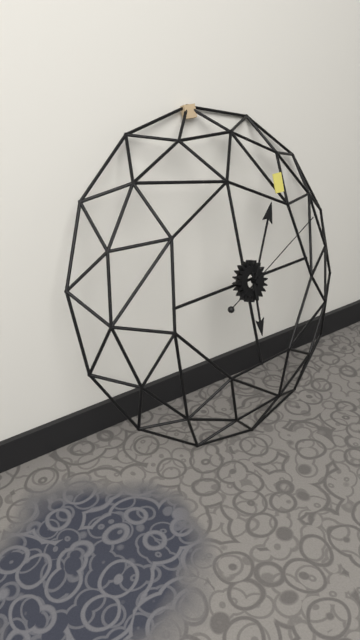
6:05:11
